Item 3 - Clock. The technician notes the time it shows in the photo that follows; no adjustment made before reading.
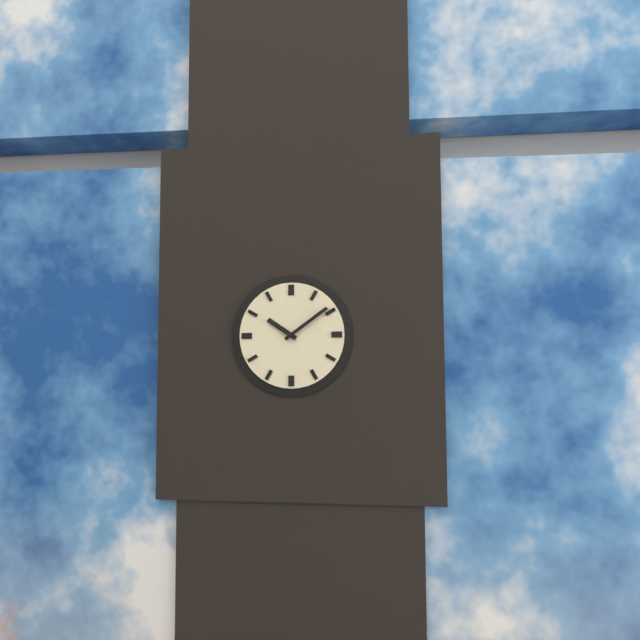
10:09
